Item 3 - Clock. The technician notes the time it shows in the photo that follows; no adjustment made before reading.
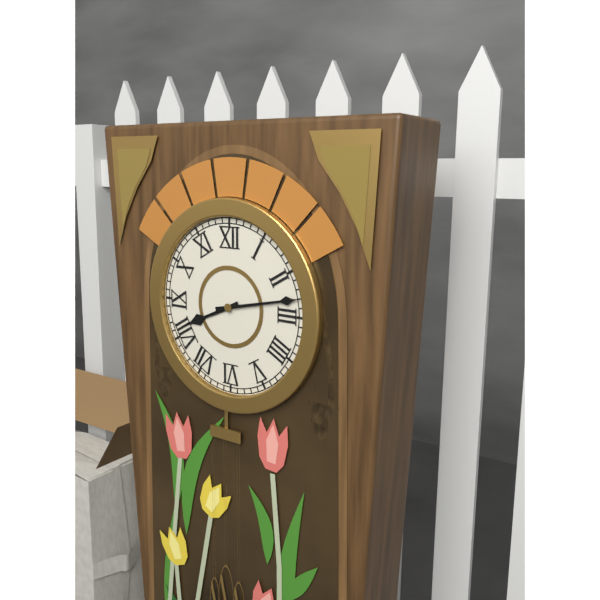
8:13
